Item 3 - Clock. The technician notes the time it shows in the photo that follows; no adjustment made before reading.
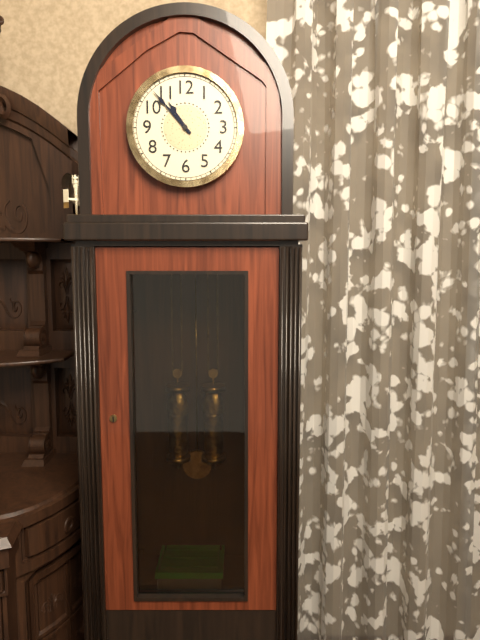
10:53
